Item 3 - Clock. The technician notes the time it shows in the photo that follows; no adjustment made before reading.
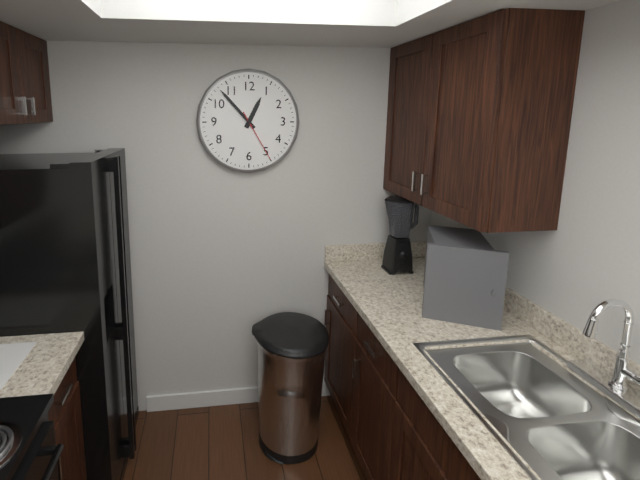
12:53:25
